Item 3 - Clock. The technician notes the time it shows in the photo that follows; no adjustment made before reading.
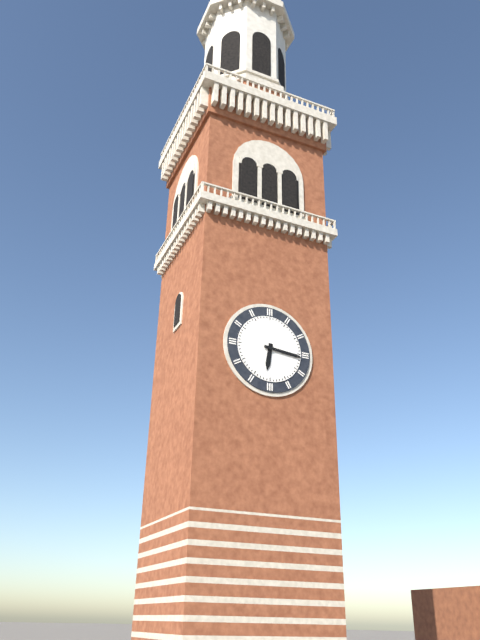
6:16
